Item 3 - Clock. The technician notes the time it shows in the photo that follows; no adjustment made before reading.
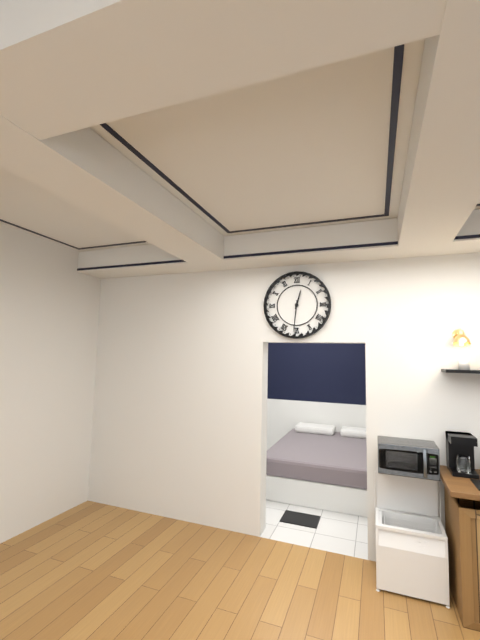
12:31
